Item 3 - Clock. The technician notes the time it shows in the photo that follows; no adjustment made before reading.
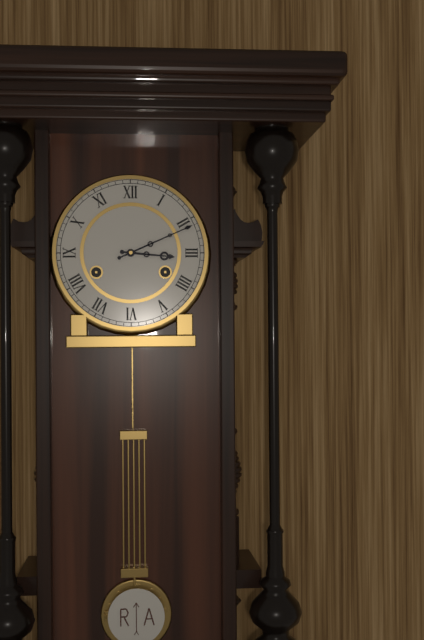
3:11
